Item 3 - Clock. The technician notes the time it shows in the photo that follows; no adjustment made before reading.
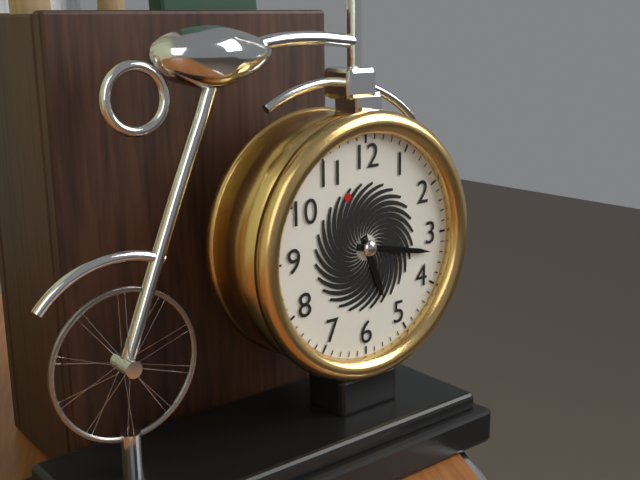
5:17
